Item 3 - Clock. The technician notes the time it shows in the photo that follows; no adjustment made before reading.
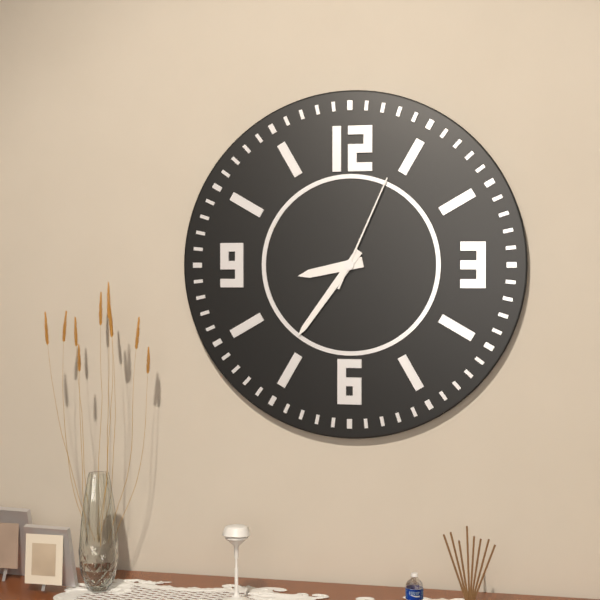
8:36:04
